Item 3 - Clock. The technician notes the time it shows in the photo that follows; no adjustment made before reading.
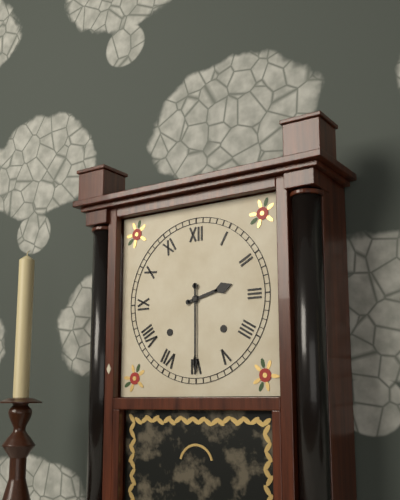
2:30
